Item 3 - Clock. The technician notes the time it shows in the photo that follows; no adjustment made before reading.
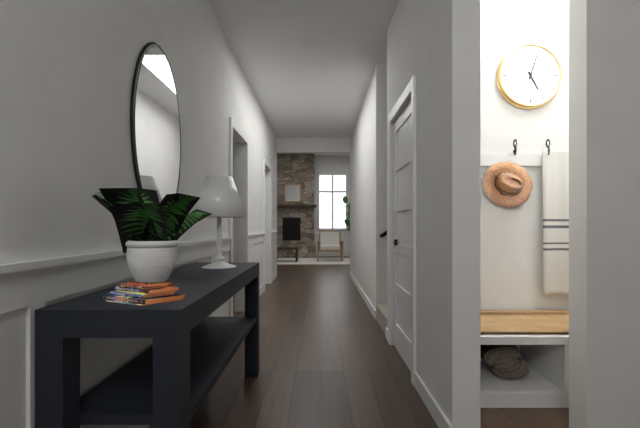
5:03
